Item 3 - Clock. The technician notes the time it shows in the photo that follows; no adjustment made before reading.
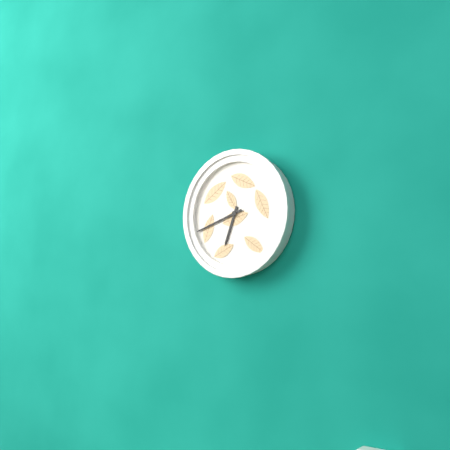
6:42
